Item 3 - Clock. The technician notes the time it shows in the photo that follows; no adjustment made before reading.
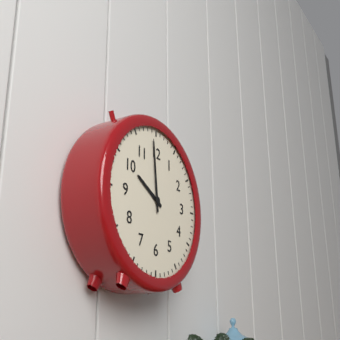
9:59
